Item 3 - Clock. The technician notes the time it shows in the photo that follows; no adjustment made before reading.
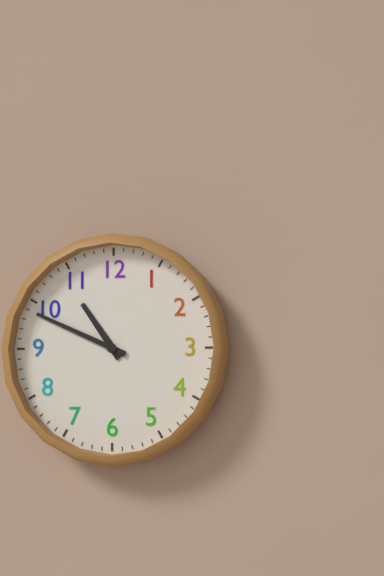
10:49
